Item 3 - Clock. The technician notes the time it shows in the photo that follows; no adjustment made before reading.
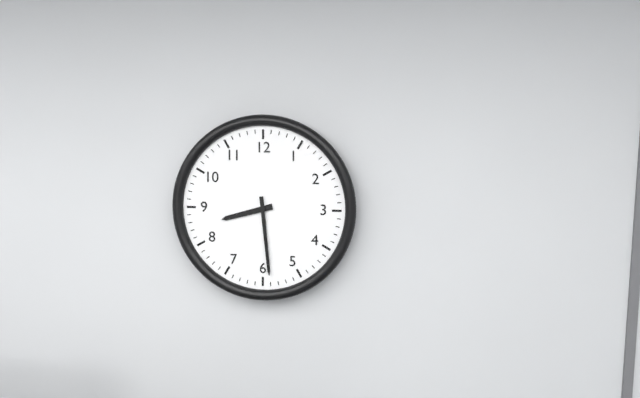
8:29
